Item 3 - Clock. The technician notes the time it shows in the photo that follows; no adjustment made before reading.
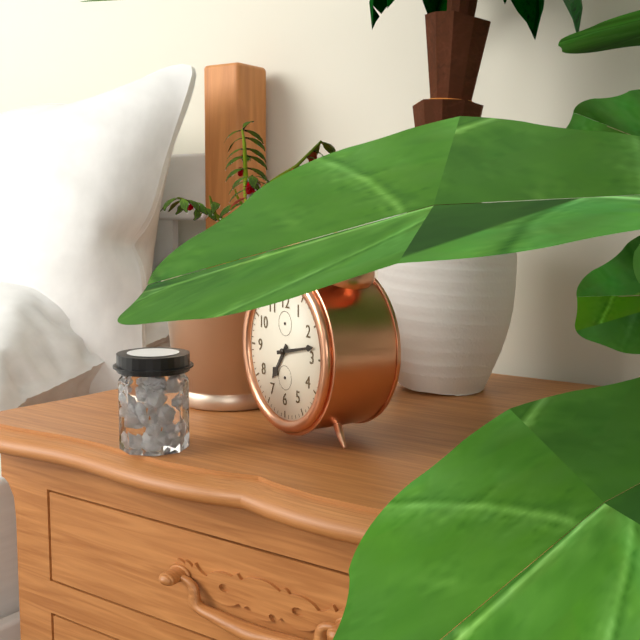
7:13
